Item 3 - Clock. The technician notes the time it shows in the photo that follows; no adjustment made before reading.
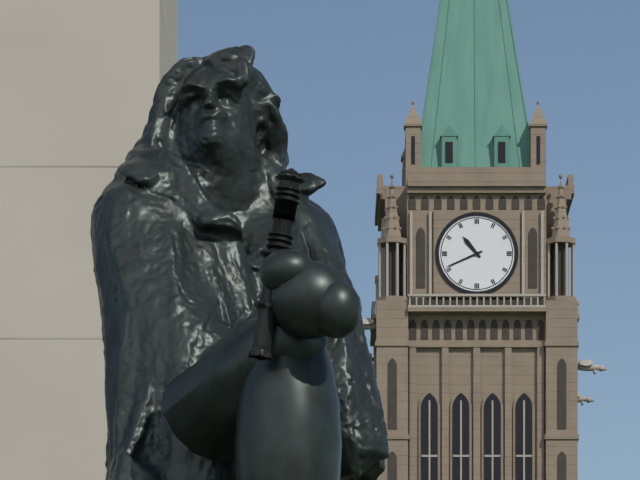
10:41
